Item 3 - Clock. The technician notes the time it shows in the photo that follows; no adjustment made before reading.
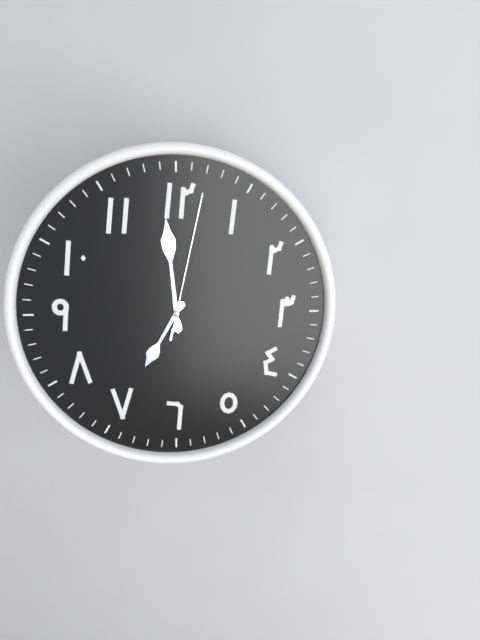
6:59:02
